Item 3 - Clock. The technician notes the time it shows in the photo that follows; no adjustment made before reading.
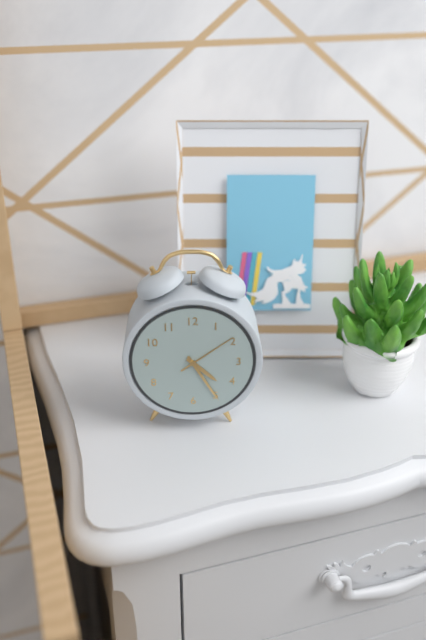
4:25:09
